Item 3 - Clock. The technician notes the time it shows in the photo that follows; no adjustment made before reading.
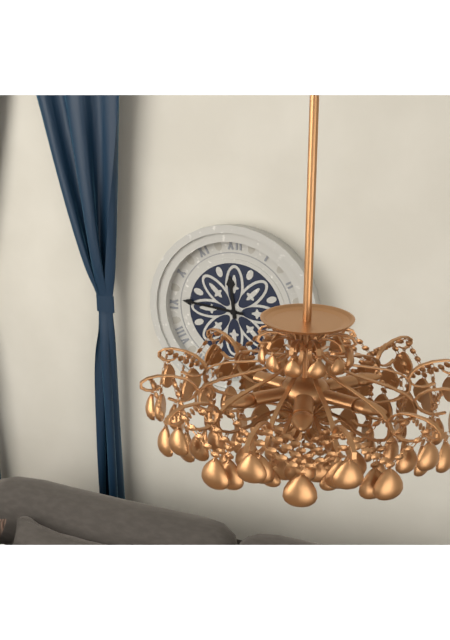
11:46
